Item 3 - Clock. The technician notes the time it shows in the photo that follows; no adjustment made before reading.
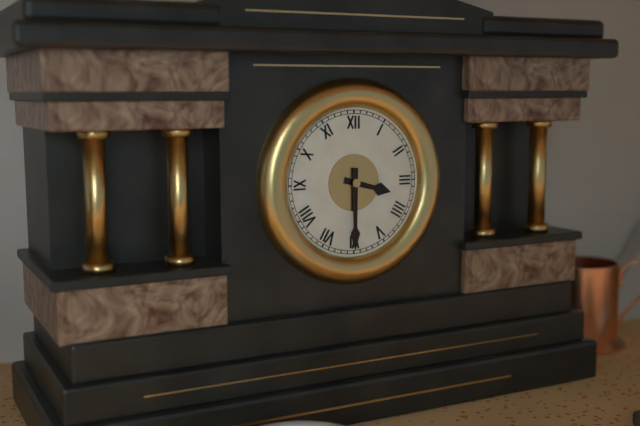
3:30
